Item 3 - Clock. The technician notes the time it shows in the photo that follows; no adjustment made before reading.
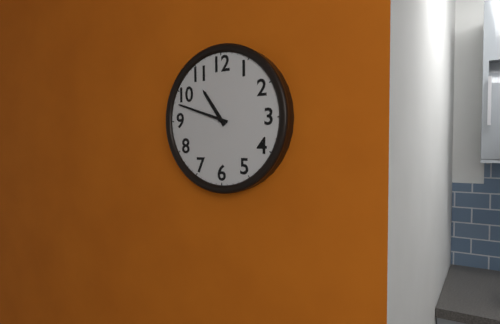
10:48
